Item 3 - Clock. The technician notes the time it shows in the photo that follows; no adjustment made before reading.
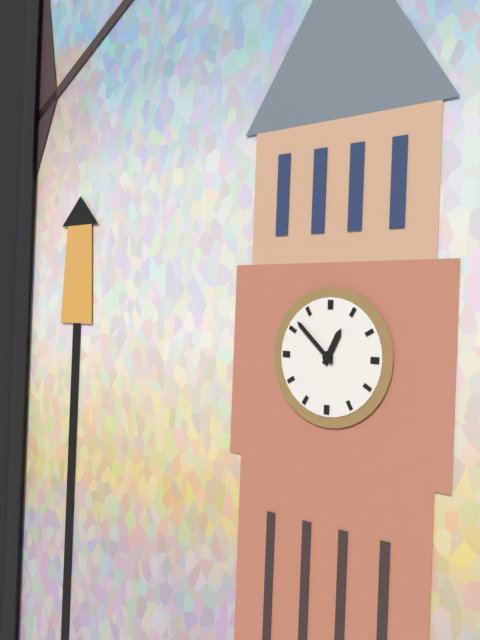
12:52
